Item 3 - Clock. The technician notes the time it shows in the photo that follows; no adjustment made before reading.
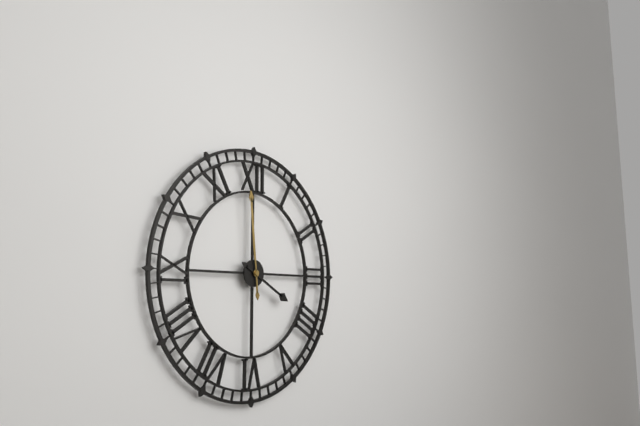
3:59
